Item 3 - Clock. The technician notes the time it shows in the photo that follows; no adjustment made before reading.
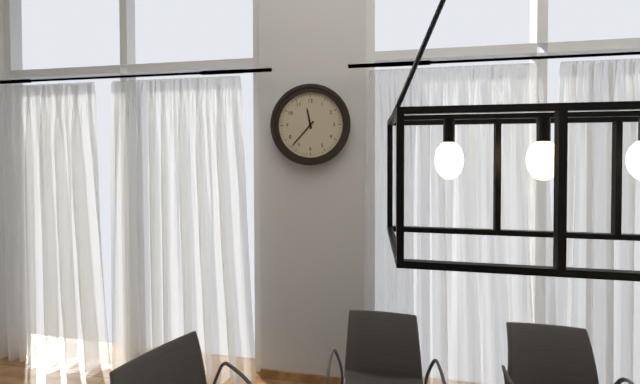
11:37
